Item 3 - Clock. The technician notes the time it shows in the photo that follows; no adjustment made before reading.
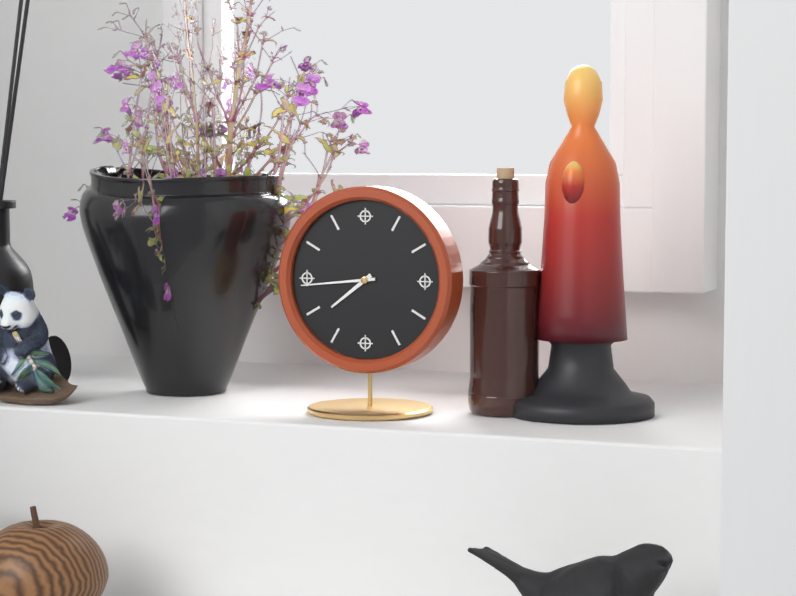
7:44
